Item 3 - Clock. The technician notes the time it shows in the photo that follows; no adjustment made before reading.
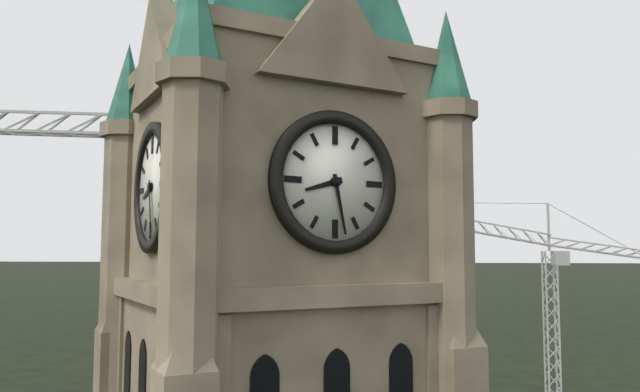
8:28
